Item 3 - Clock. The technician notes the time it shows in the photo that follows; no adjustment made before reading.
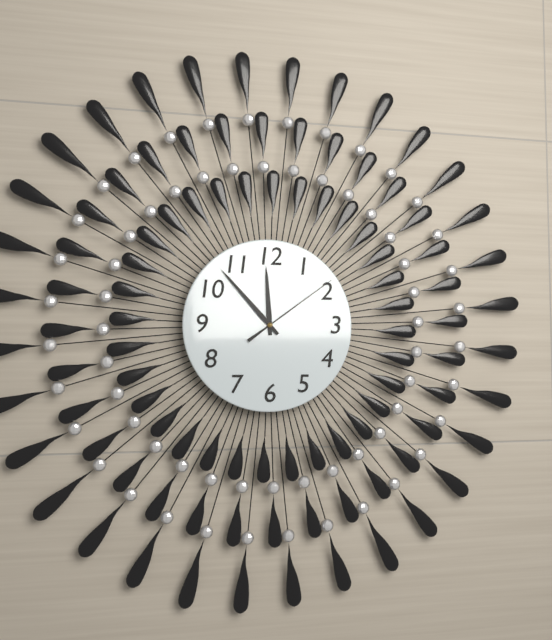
11:53:09
